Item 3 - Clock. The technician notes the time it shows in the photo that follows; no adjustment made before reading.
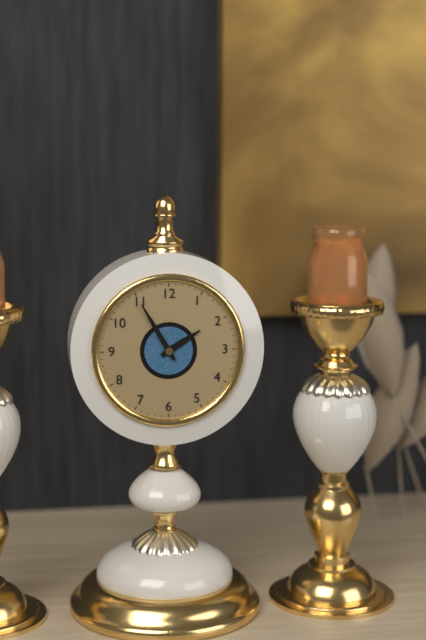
1:55
